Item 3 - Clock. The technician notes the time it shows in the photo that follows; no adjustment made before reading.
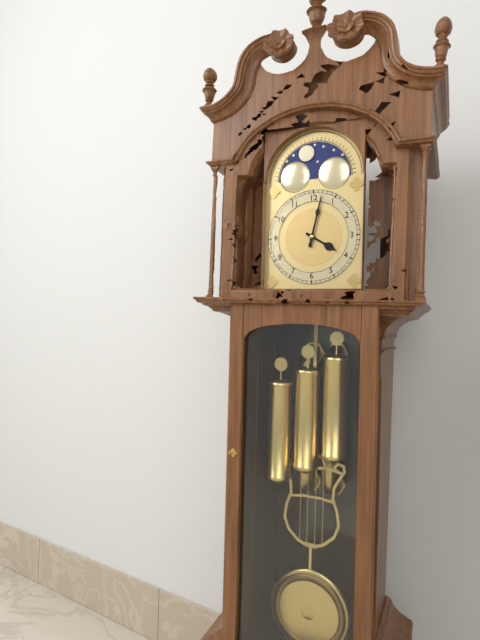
4:02
